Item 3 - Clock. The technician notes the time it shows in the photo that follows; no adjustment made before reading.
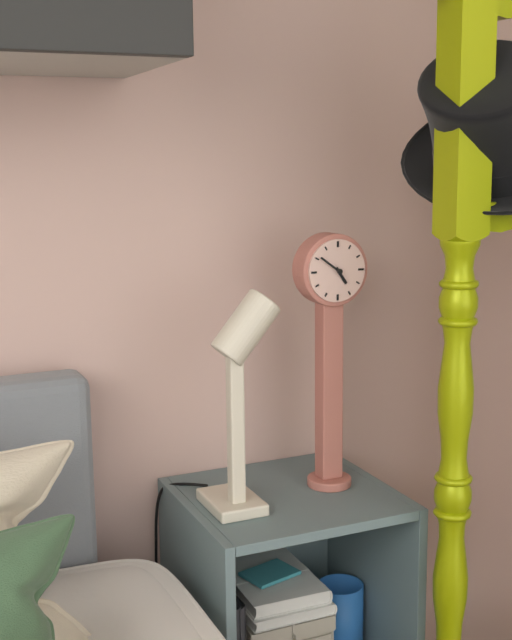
4:51
